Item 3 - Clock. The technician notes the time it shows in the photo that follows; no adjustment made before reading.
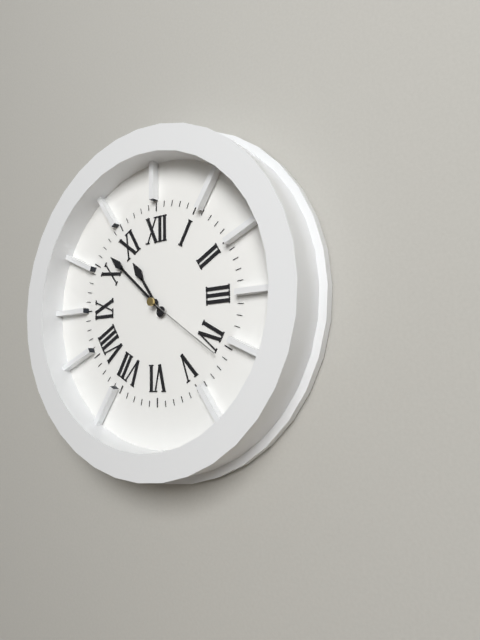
10:52:21
